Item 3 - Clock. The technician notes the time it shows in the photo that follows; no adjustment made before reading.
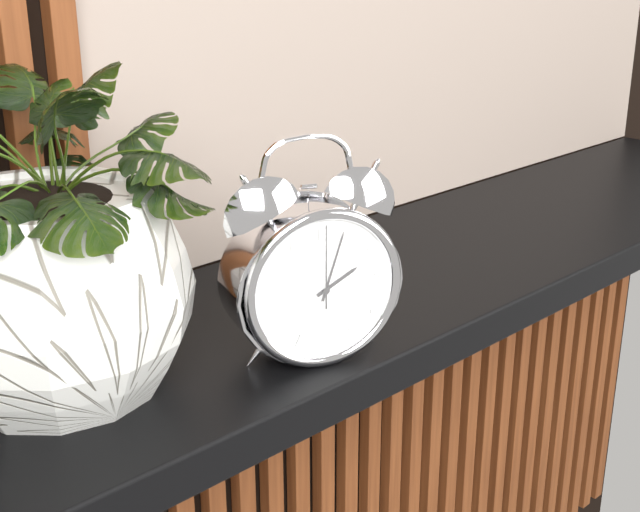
2:03:00
